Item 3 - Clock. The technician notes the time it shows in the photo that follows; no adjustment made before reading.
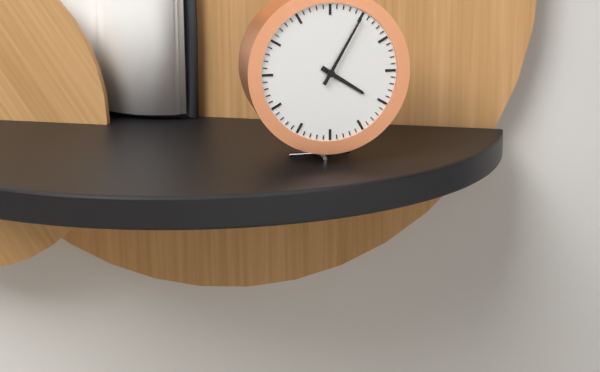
4:05
